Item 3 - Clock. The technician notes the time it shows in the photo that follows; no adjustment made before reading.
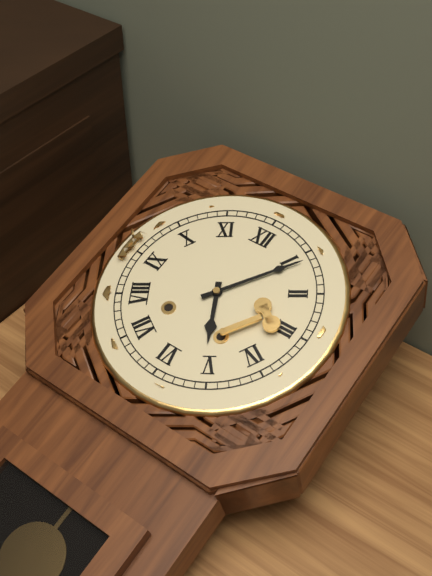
5:06
